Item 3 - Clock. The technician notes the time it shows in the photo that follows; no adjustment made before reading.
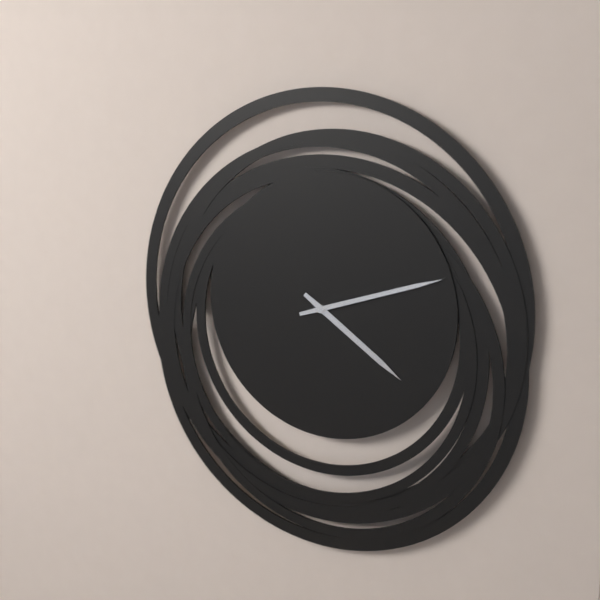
4:12
